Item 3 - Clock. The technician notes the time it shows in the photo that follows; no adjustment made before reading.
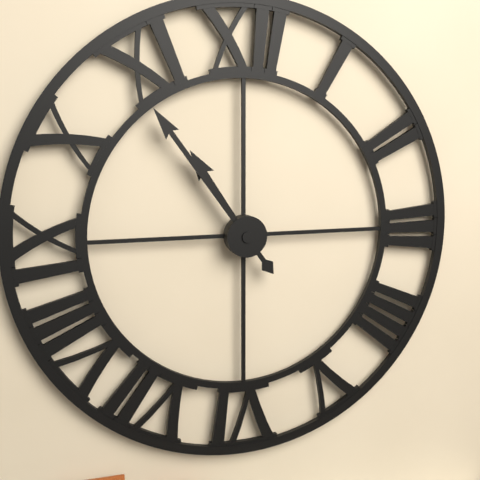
10:54
